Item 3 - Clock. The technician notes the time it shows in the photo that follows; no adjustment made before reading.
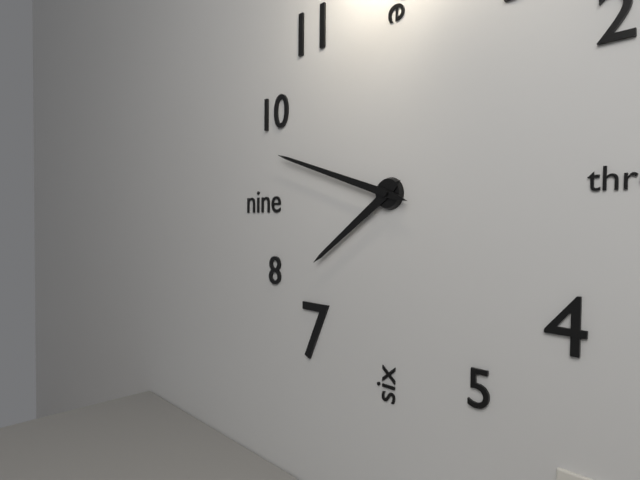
7:48
